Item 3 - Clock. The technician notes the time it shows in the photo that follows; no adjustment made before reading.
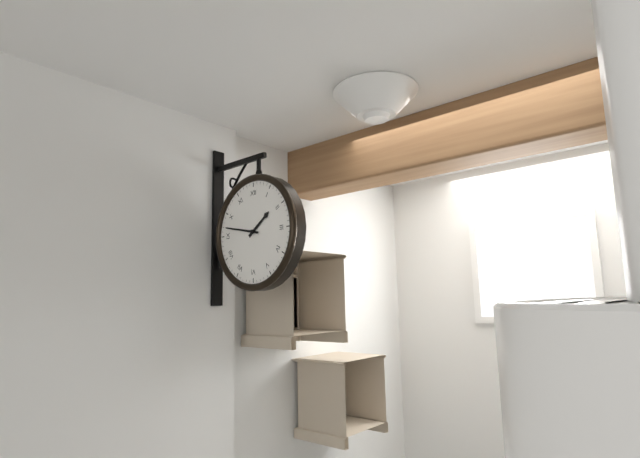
1:47
